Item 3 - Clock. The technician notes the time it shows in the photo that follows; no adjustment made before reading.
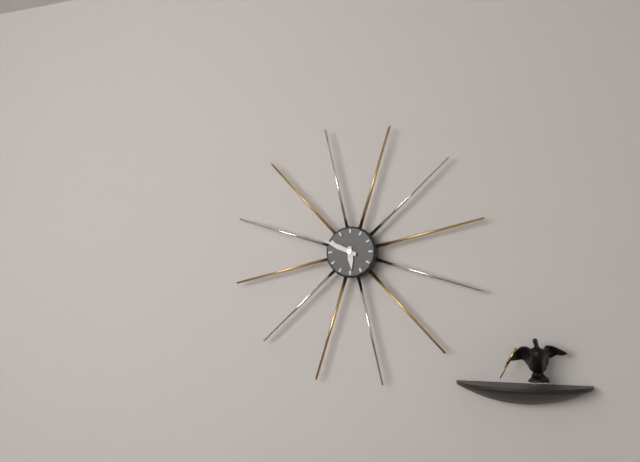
5:49
